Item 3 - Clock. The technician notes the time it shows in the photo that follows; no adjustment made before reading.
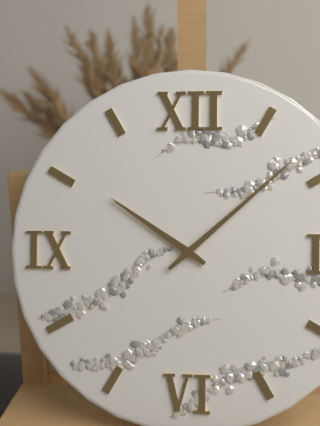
10:08
